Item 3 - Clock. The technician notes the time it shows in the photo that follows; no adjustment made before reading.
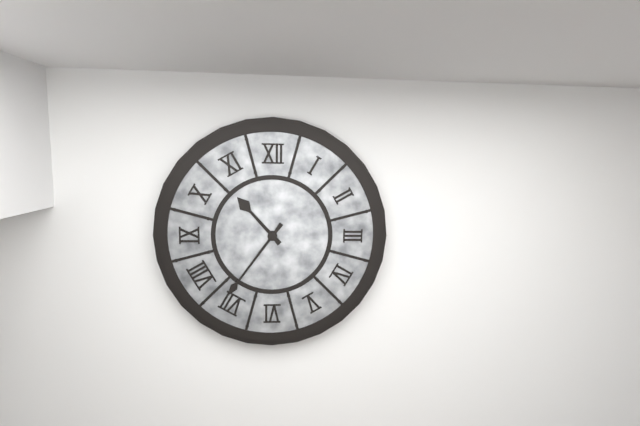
10:36
